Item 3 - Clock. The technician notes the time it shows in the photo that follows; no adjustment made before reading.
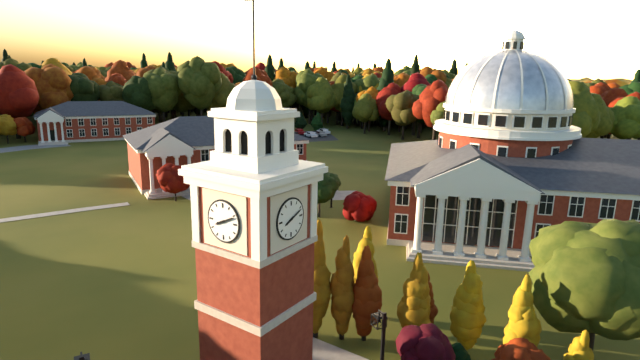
8:11
